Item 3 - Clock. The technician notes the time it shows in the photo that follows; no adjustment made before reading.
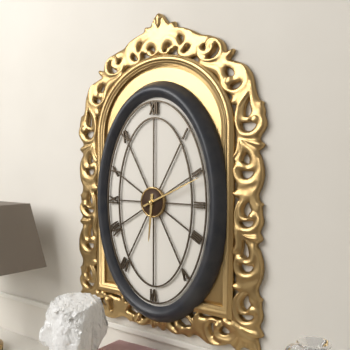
6:11
